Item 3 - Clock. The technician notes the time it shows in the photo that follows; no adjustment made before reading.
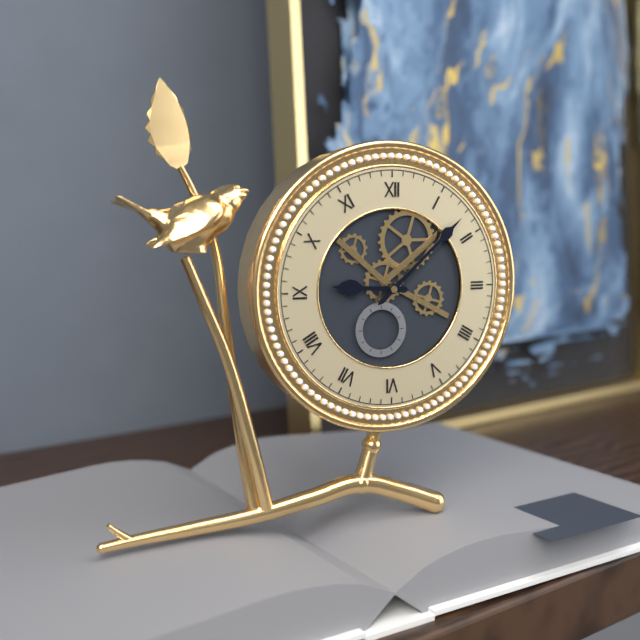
9:08
